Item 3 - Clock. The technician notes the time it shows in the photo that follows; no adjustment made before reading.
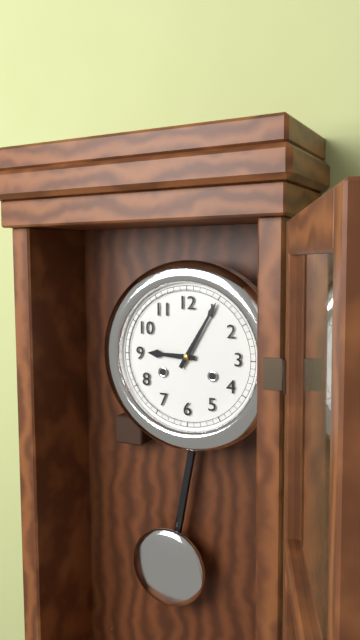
9:05
